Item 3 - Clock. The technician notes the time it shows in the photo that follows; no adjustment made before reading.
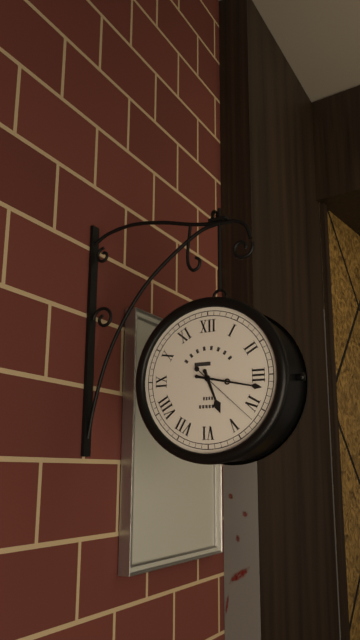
5:17:22
